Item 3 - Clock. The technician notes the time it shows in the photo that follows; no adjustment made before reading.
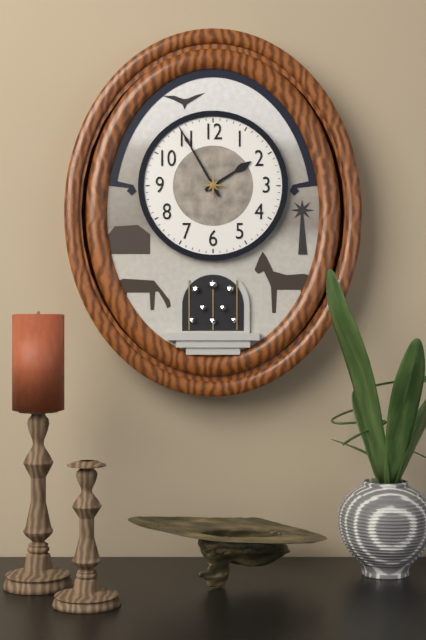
1:55
